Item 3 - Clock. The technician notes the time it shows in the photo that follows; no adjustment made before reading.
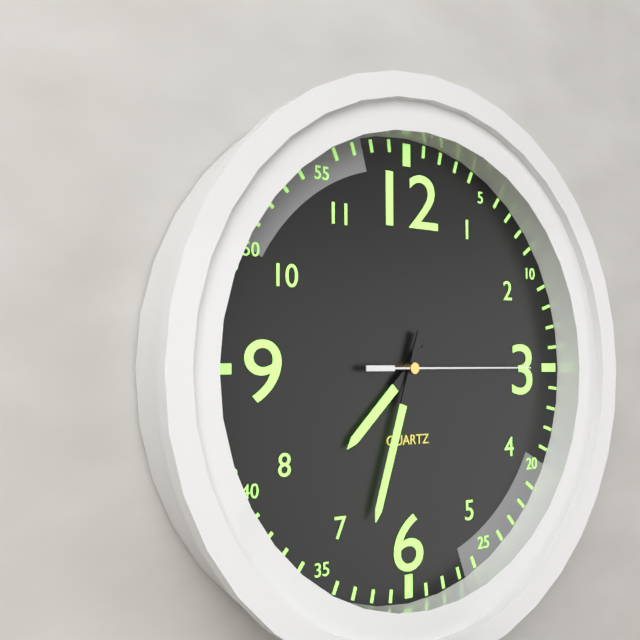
7:33:15
